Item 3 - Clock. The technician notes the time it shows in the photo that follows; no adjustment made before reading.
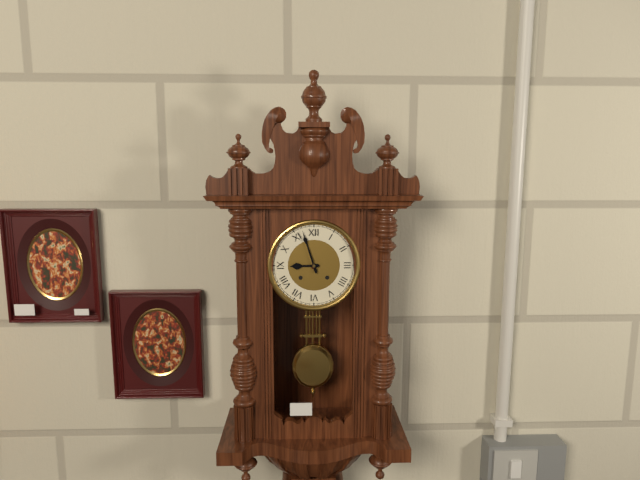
8:57
